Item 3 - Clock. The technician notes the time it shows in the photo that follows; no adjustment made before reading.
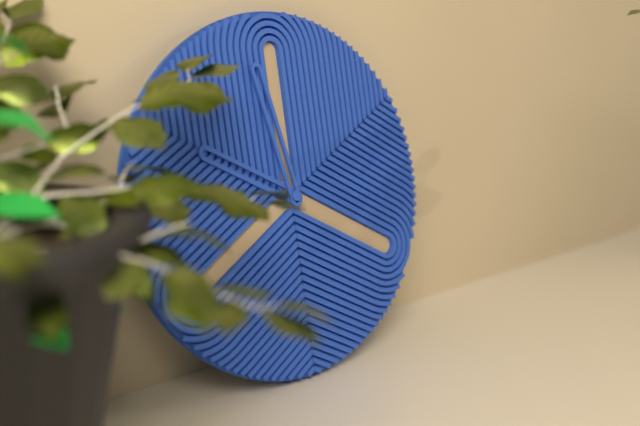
9:58
